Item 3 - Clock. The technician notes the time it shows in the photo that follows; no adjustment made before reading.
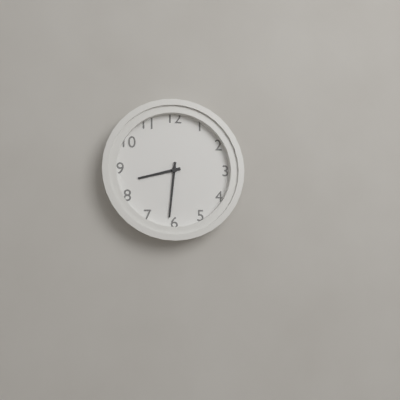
8:31
